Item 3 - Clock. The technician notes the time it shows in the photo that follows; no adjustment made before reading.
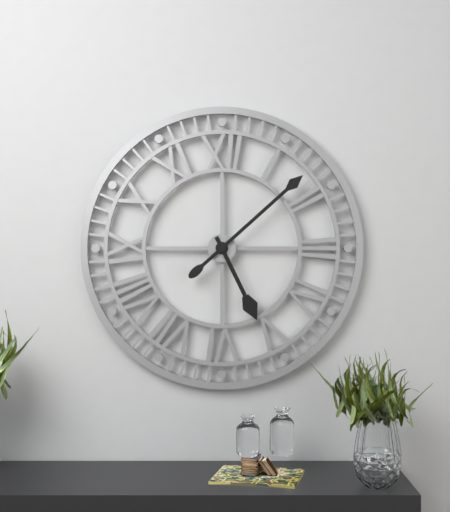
5:08
